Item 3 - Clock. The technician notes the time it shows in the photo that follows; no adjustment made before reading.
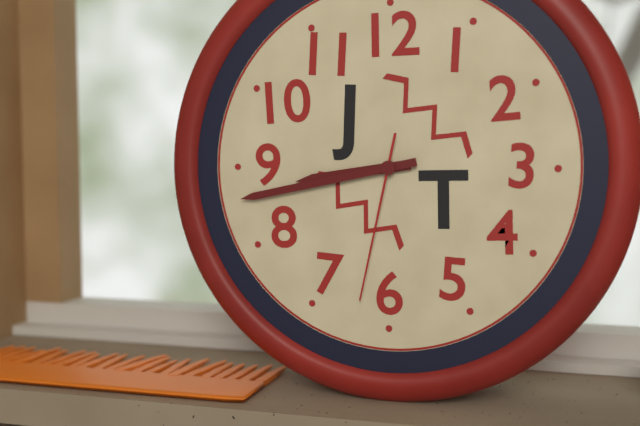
8:43:32
